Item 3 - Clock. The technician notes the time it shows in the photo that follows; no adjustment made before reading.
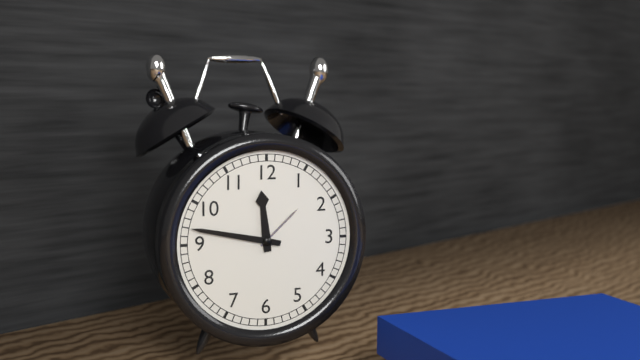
11:47
